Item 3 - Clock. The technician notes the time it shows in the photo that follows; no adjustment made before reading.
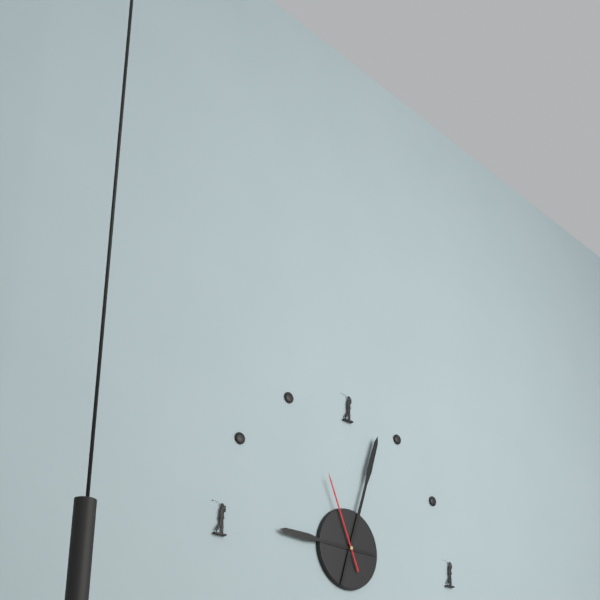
9:03:56
